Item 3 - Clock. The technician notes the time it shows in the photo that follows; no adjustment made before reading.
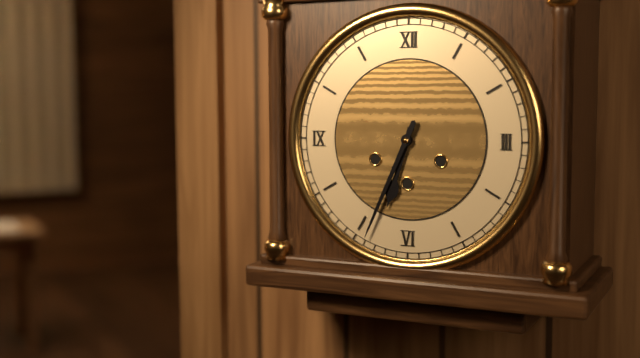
6:34
